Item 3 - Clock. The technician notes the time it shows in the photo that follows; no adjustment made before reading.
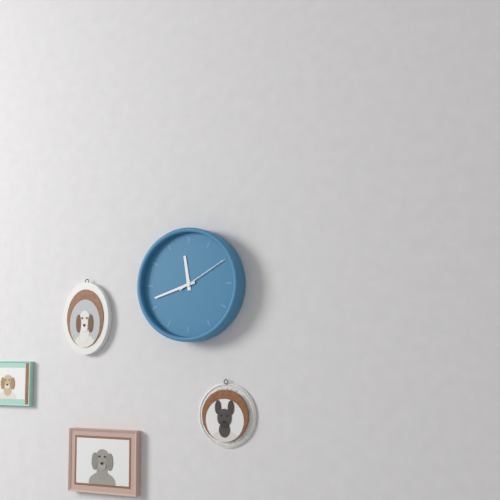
11:42:10
